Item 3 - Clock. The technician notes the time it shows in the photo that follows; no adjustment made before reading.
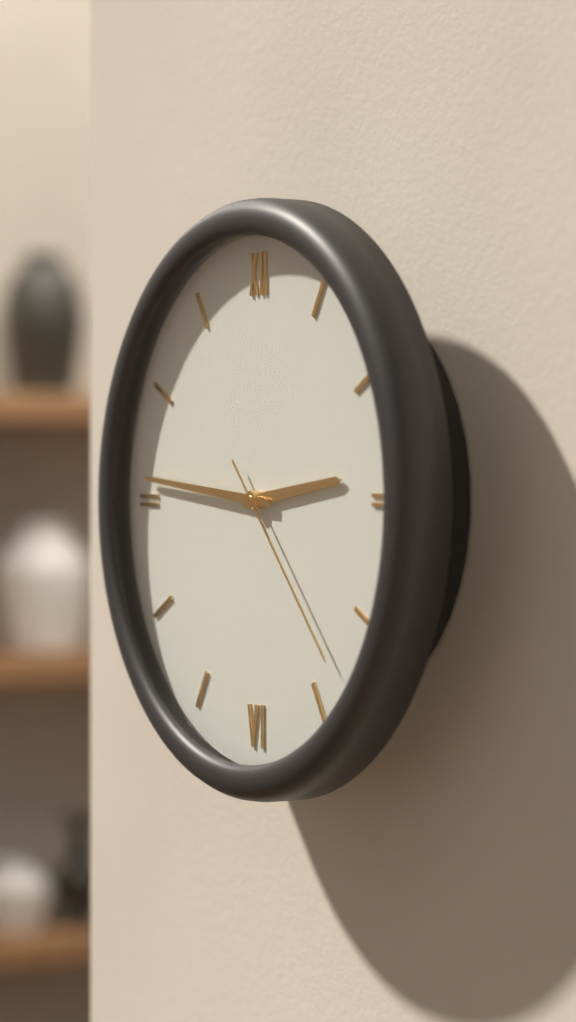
2:46:23
